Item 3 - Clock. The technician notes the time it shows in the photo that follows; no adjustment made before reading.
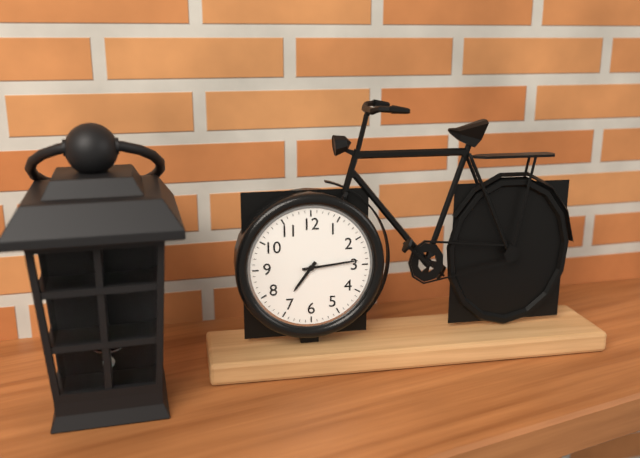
7:14
